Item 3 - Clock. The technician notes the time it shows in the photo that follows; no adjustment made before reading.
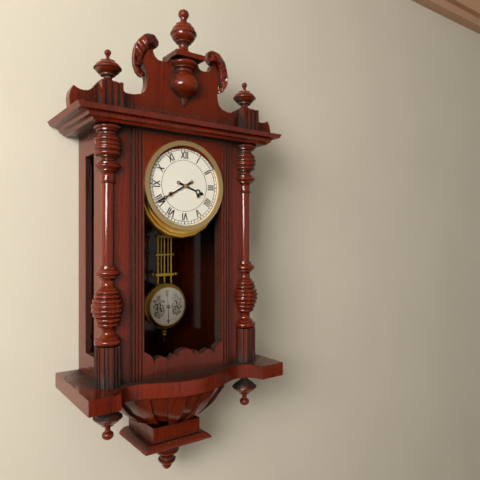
3:40
